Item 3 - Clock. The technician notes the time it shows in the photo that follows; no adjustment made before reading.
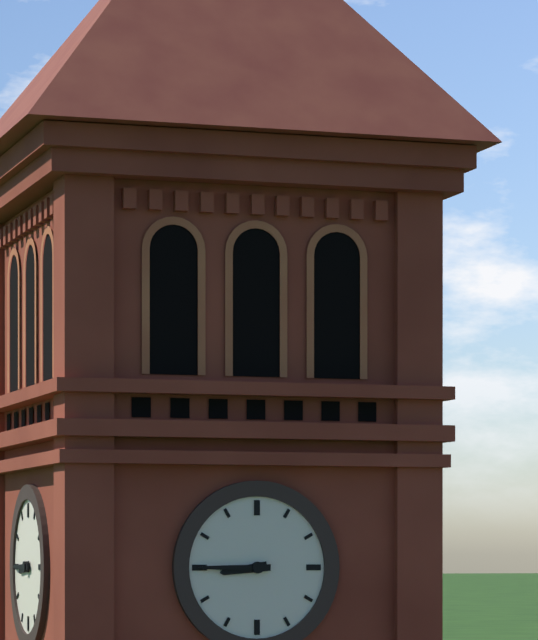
8:45
